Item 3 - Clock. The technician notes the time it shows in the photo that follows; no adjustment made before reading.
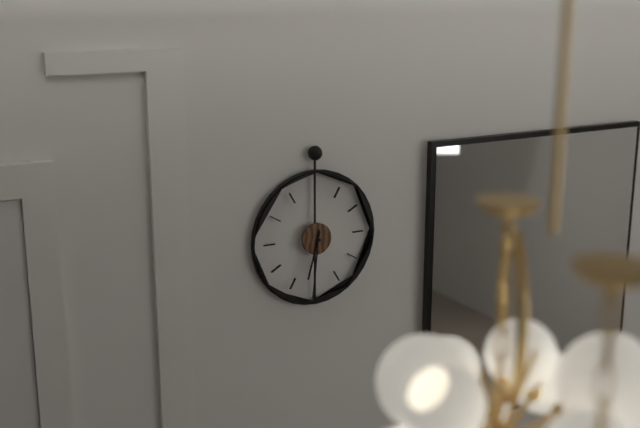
6:31
